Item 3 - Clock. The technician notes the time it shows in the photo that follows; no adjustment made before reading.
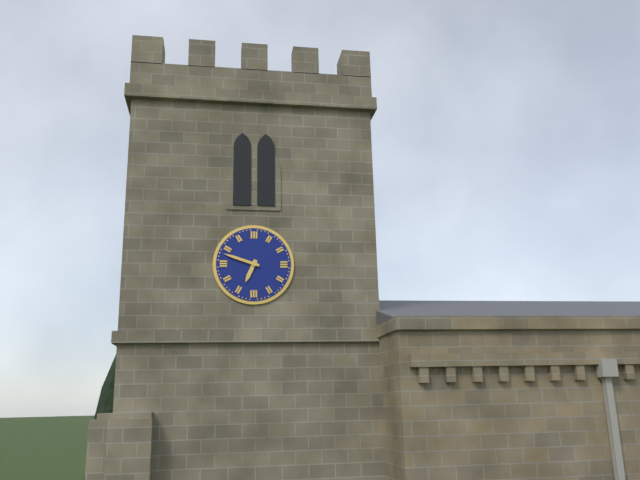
6:48
